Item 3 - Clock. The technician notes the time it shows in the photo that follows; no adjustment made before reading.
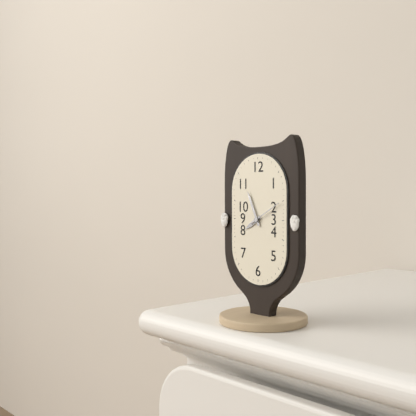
7:56
